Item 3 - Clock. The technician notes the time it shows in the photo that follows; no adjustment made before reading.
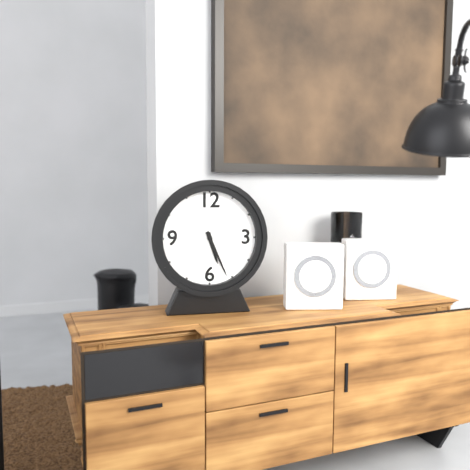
5:26
